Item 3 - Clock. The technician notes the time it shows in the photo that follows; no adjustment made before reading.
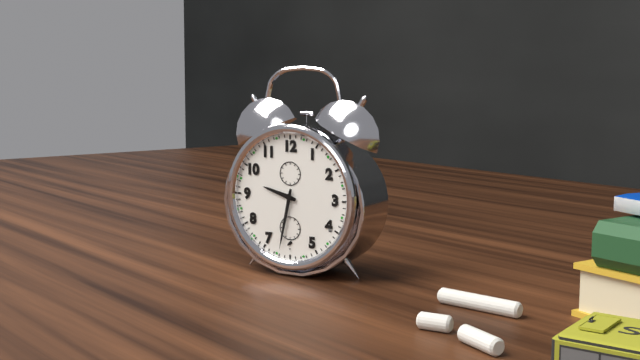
9:32
